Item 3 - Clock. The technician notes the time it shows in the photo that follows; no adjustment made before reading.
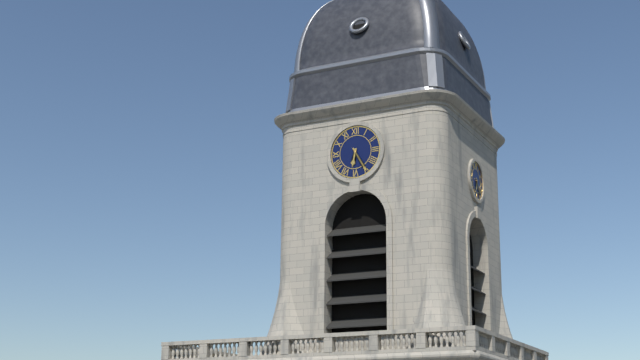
6:25
